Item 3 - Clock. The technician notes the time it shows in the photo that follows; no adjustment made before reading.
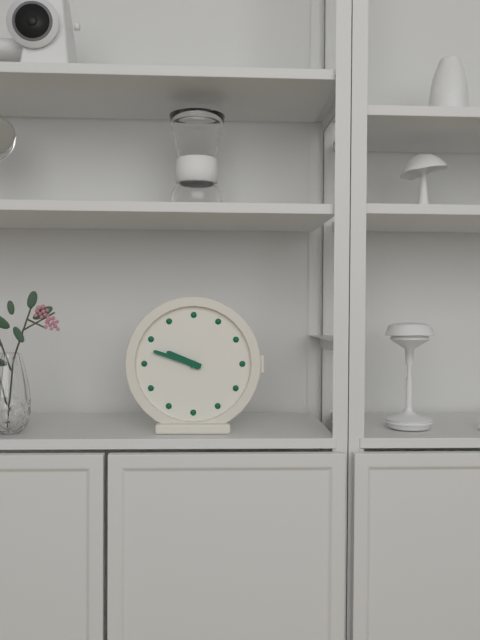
9:48
